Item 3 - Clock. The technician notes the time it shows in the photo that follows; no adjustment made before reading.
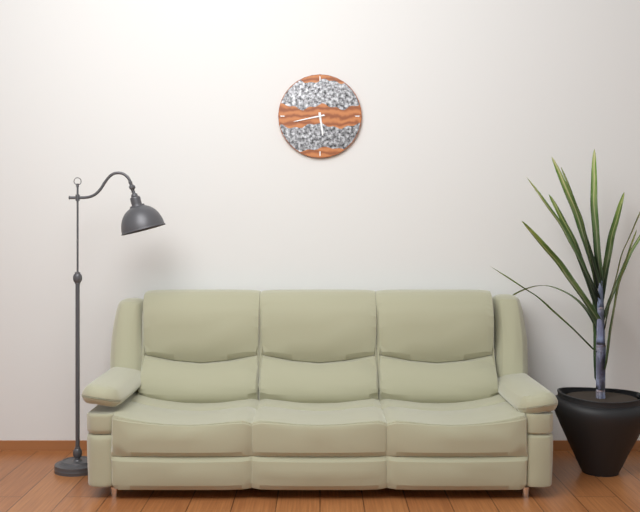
5:43
